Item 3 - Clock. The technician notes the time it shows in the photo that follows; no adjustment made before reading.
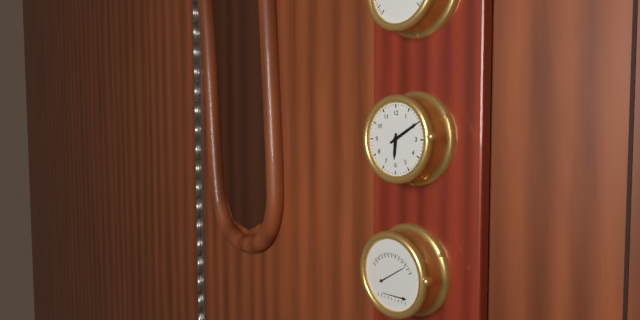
6:10
